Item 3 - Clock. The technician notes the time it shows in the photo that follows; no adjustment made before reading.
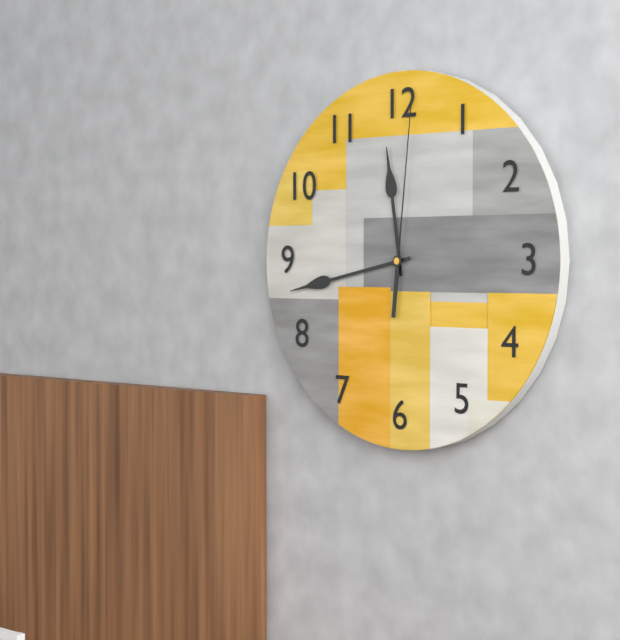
11:43:01
